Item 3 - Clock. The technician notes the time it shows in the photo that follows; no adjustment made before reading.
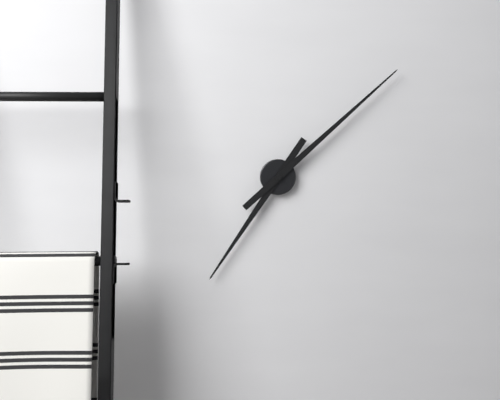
7:08
